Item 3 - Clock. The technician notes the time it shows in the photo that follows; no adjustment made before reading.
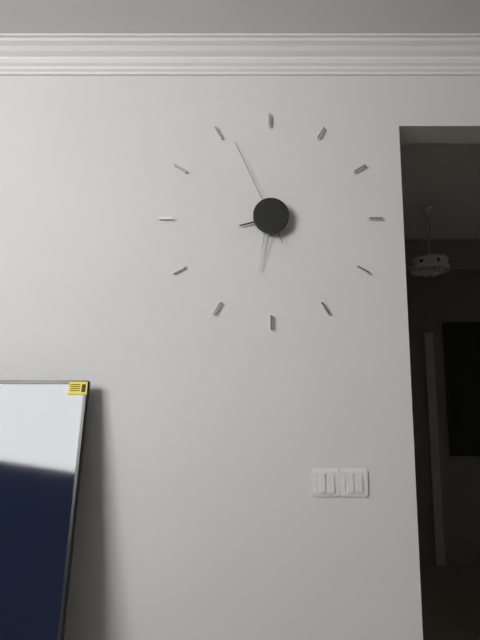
8:32:56
